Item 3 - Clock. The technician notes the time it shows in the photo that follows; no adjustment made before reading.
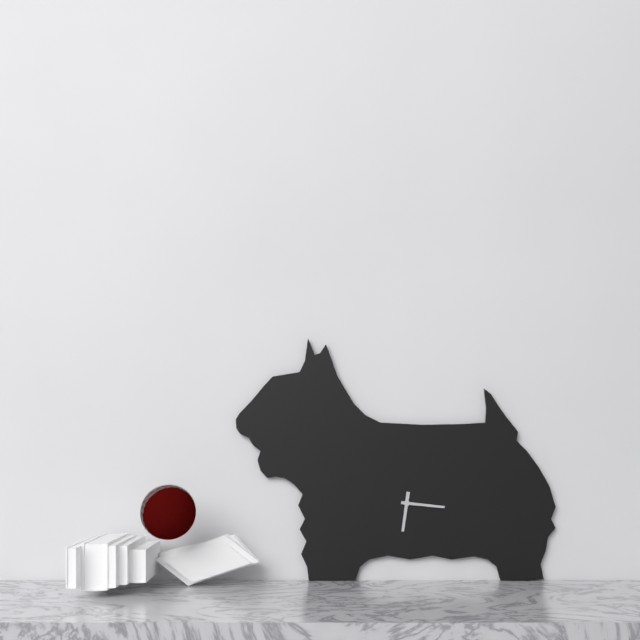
6:16
